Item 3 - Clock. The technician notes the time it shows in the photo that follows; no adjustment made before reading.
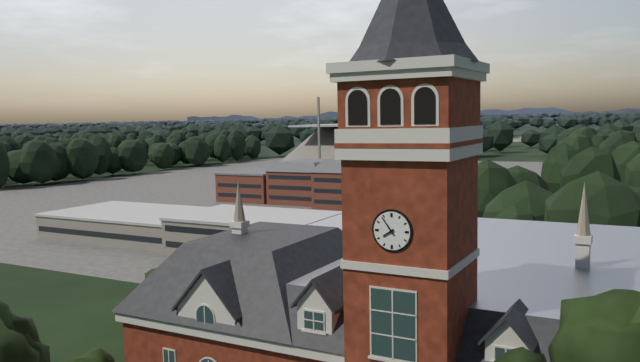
7:54
